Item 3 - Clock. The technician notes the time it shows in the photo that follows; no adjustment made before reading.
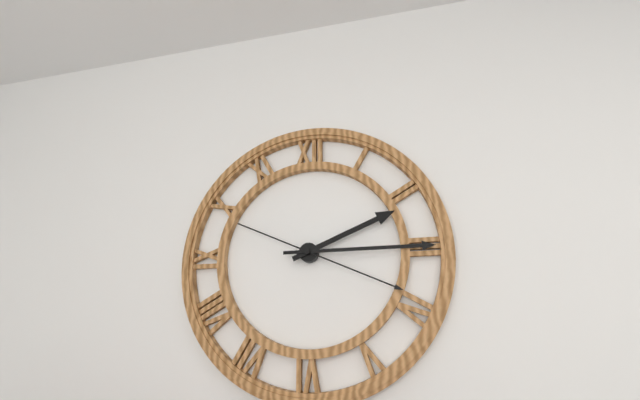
2:15:19
